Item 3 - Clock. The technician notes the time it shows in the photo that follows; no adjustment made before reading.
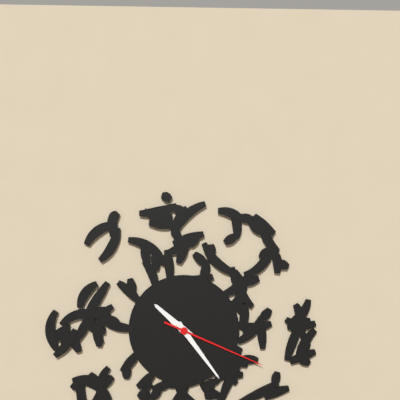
10:24:19
